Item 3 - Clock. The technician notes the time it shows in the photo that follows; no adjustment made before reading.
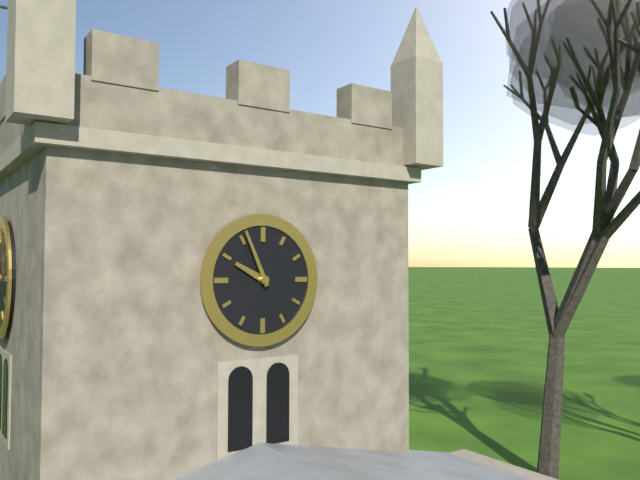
9:56
